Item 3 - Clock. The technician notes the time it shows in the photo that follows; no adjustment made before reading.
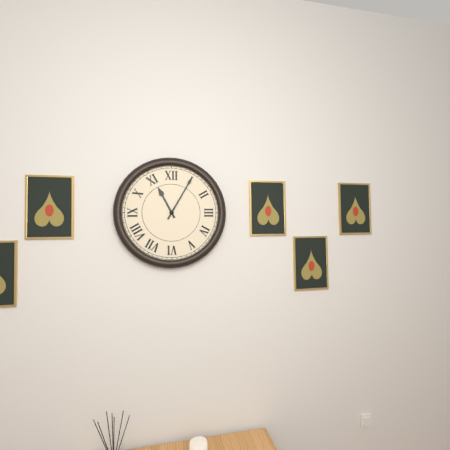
11:05
